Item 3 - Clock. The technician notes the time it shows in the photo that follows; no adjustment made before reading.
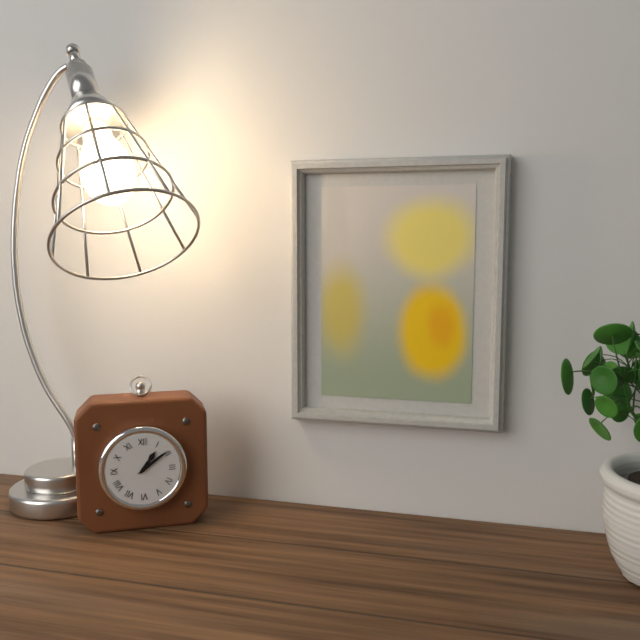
1:09
